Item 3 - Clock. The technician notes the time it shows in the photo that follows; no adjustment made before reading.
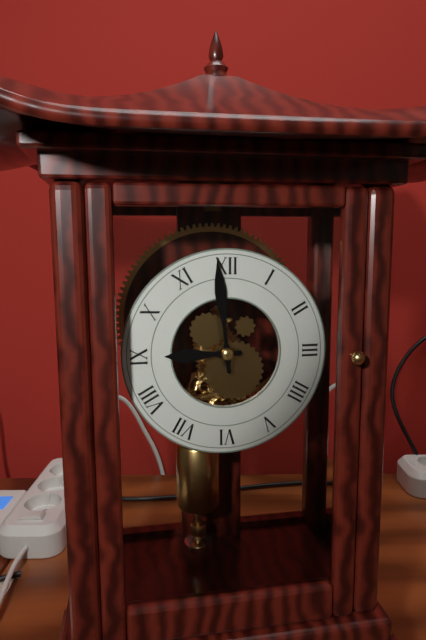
8:59
